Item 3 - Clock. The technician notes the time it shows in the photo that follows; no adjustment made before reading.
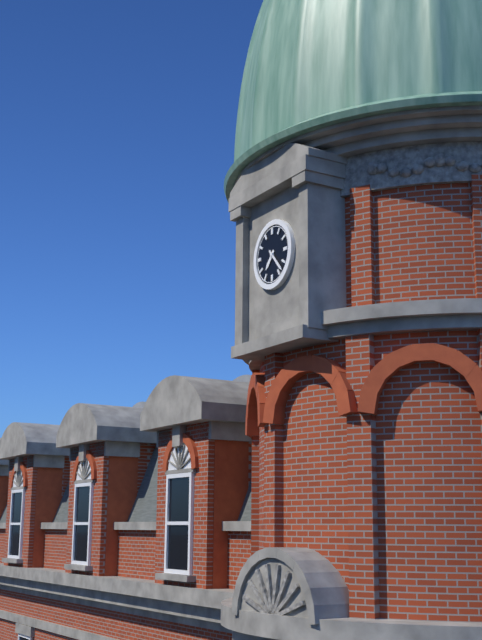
7:23
